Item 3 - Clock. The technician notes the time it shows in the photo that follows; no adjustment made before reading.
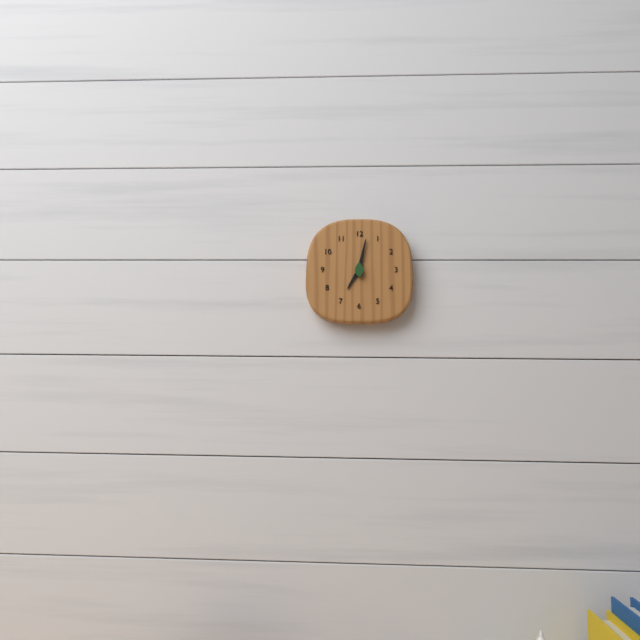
7:02
